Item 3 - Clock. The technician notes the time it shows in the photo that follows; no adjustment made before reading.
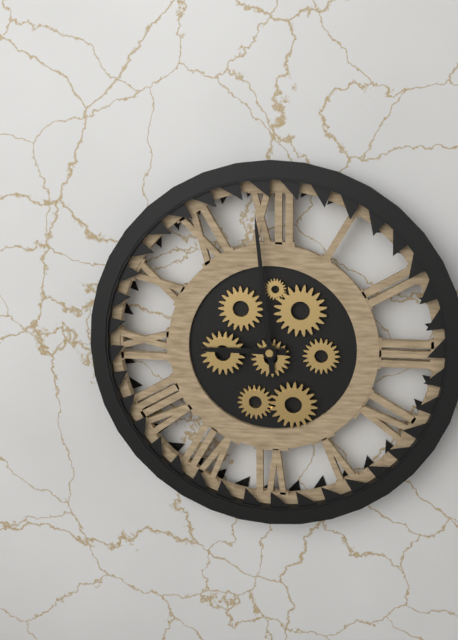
8:59
